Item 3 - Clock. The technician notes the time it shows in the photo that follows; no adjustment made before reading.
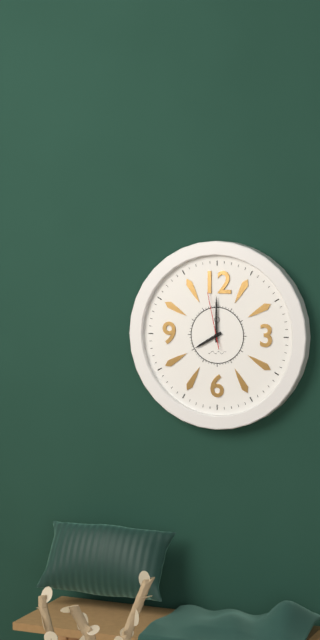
8:00:58
